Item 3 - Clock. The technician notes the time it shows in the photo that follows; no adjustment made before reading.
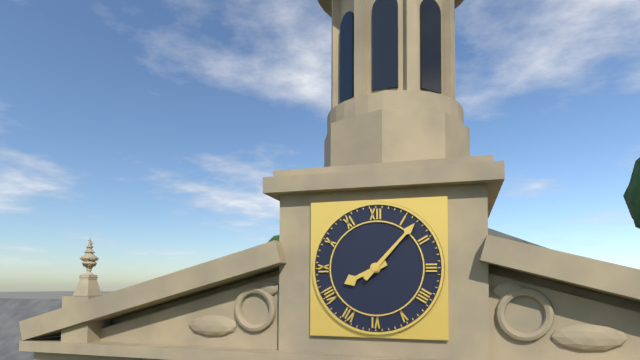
8:07
